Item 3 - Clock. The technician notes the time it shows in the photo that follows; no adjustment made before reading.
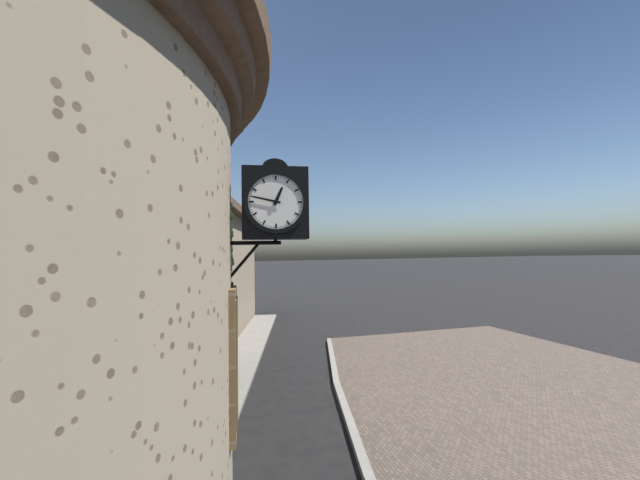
12:47
